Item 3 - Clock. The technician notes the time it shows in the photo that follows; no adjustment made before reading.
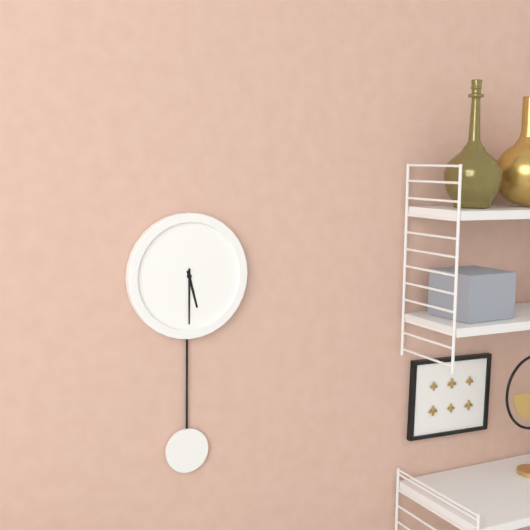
5:30
